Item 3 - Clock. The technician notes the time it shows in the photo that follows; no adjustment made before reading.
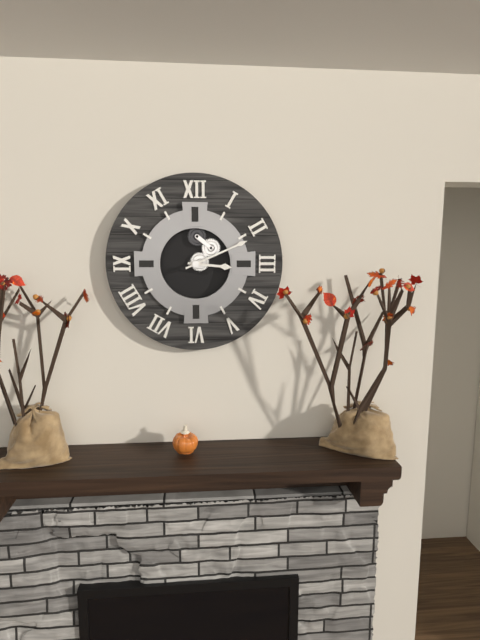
3:11
